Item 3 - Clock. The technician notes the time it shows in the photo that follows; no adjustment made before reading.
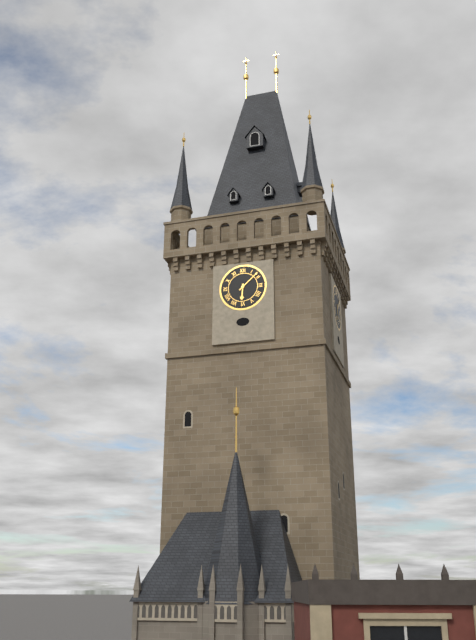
6:08
